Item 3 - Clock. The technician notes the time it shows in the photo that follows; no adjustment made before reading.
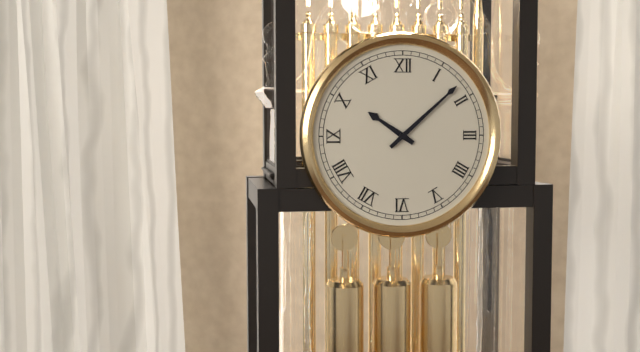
10:08
